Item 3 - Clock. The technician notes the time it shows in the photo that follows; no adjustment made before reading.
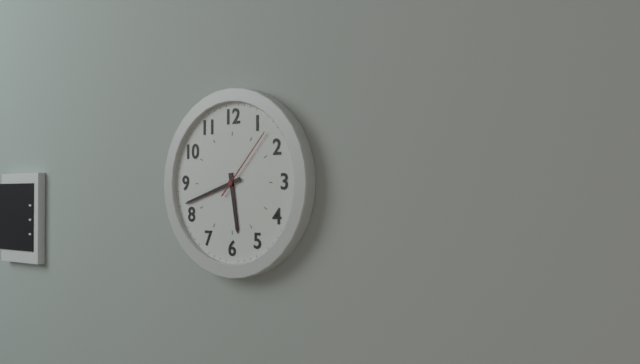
5:42:07
